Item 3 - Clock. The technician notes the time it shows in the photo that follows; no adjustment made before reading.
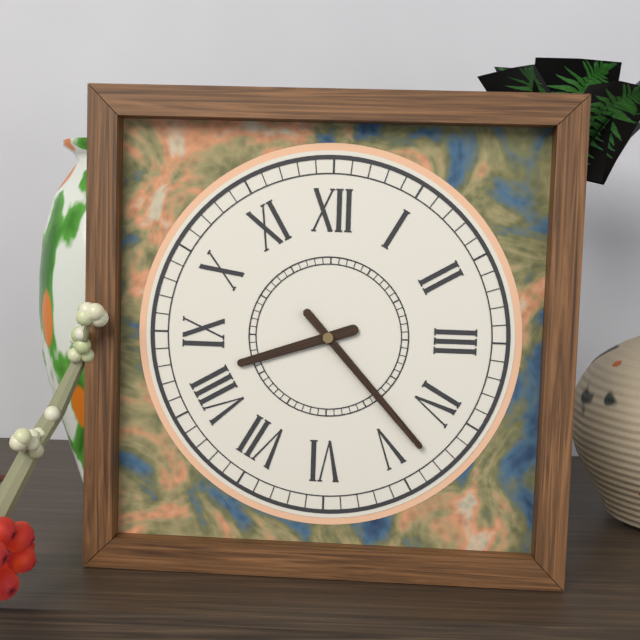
8:23
